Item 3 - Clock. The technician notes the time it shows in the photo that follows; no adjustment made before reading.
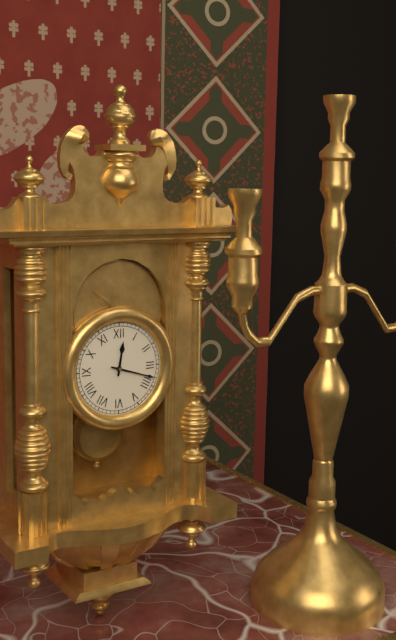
12:18
